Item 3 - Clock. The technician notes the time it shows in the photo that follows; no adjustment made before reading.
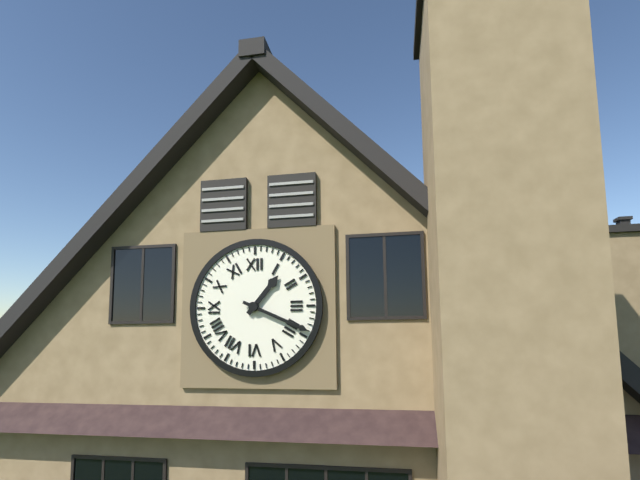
1:19
